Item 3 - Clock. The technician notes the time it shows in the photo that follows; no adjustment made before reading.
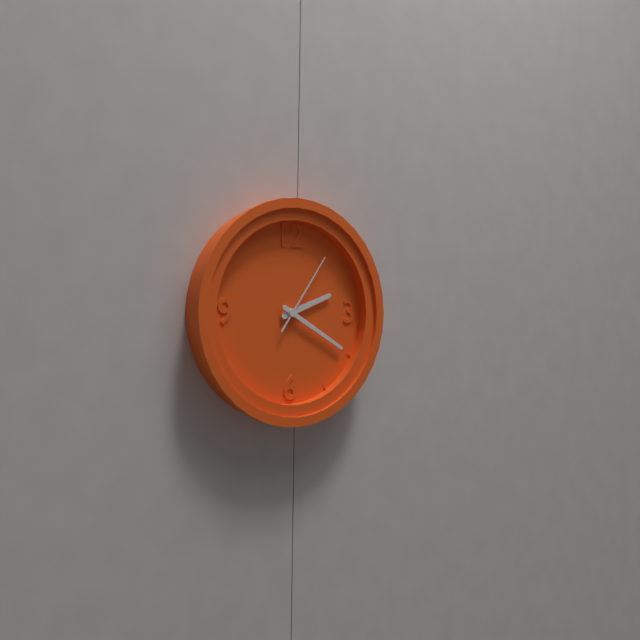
2:20:06
